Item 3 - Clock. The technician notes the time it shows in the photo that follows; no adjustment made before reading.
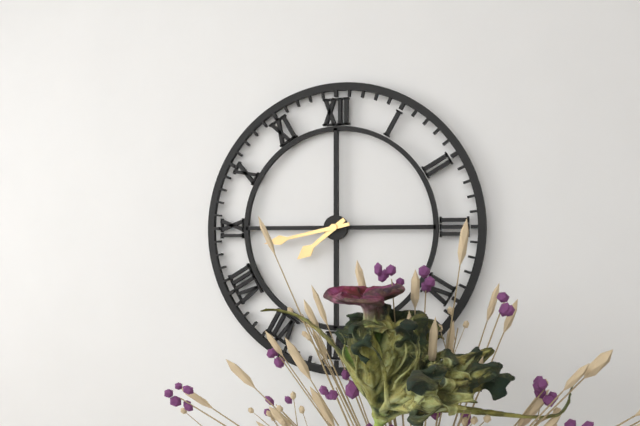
7:43
